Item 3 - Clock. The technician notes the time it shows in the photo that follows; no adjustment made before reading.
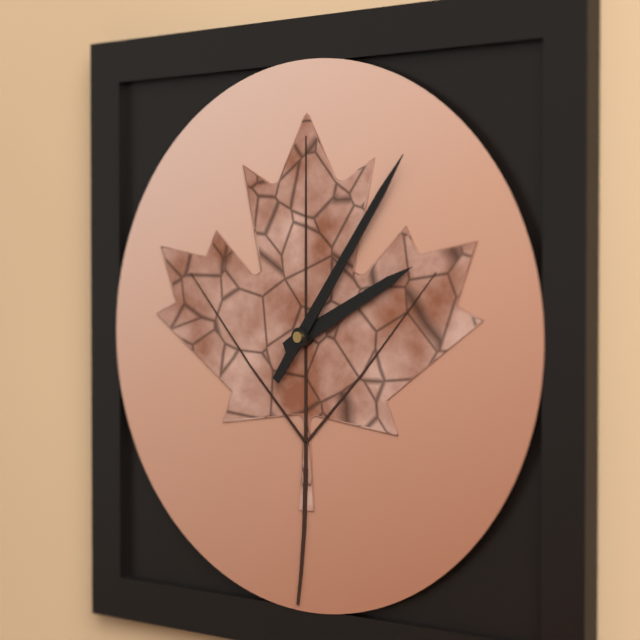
2:06
